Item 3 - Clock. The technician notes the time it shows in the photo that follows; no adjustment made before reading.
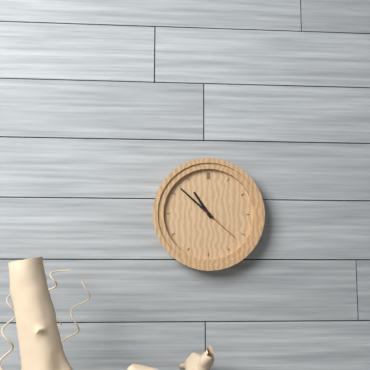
10:52
